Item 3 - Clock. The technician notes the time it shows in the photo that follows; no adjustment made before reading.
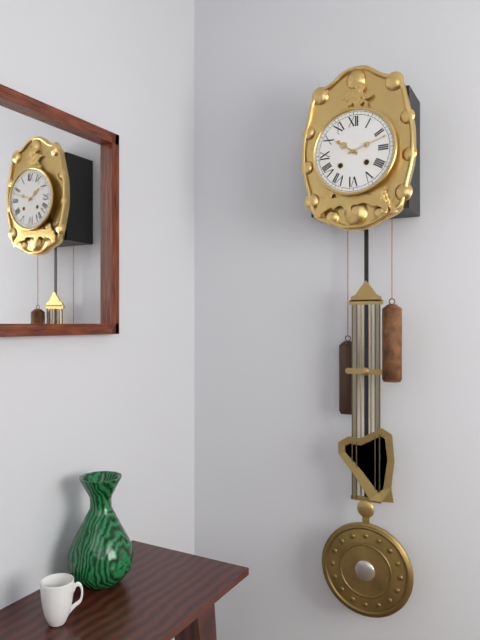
10:12
